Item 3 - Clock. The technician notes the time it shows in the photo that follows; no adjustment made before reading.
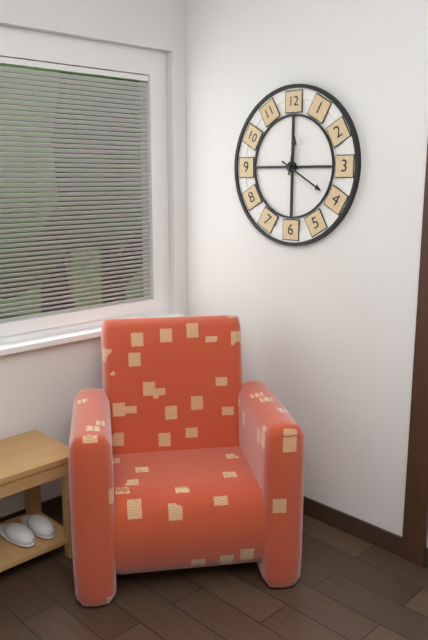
12:20
